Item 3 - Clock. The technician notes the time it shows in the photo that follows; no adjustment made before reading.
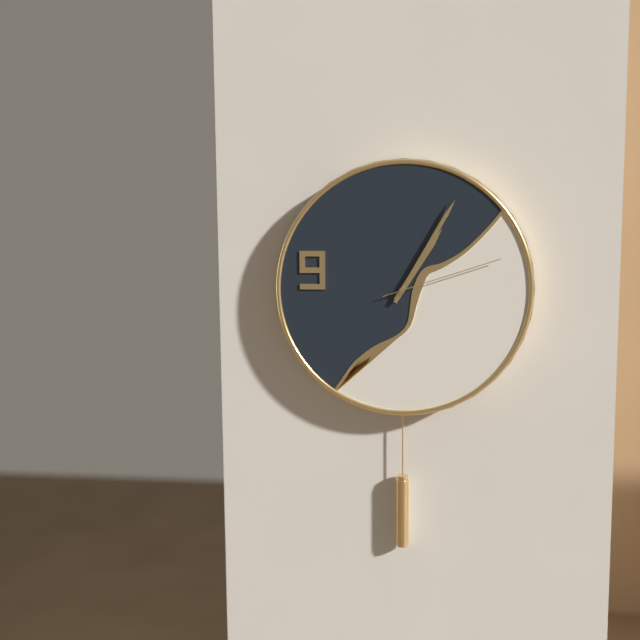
1:05:12
